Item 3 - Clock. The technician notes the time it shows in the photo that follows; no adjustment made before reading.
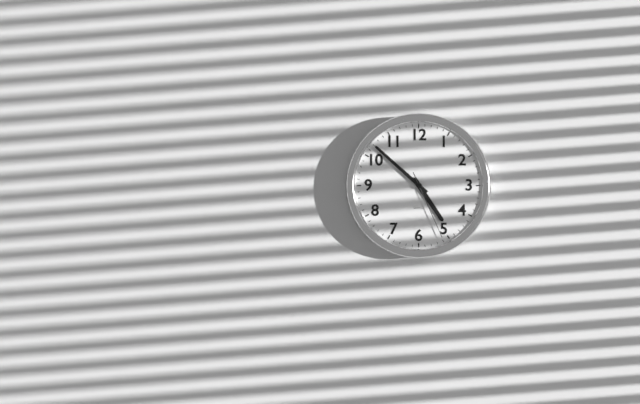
4:52:26
